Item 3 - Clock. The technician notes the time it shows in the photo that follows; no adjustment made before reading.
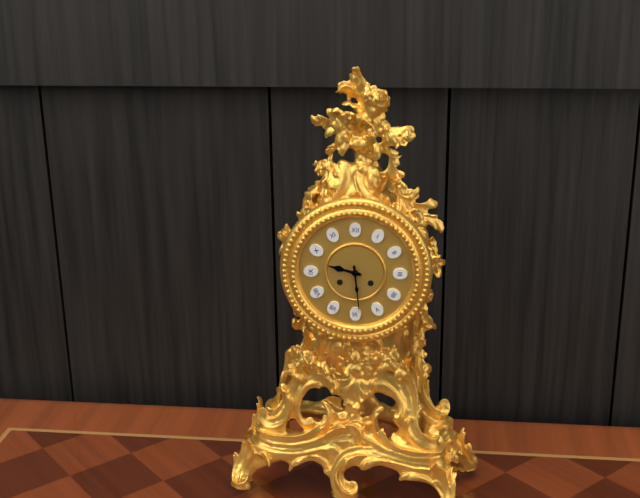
9:29
